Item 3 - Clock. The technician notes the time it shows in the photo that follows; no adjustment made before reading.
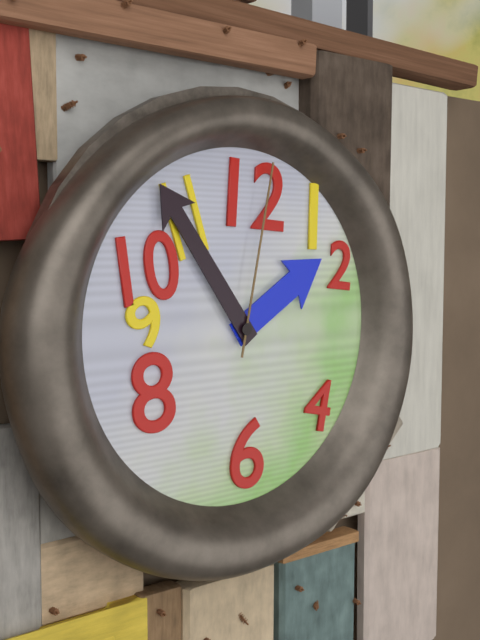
1:54:02
